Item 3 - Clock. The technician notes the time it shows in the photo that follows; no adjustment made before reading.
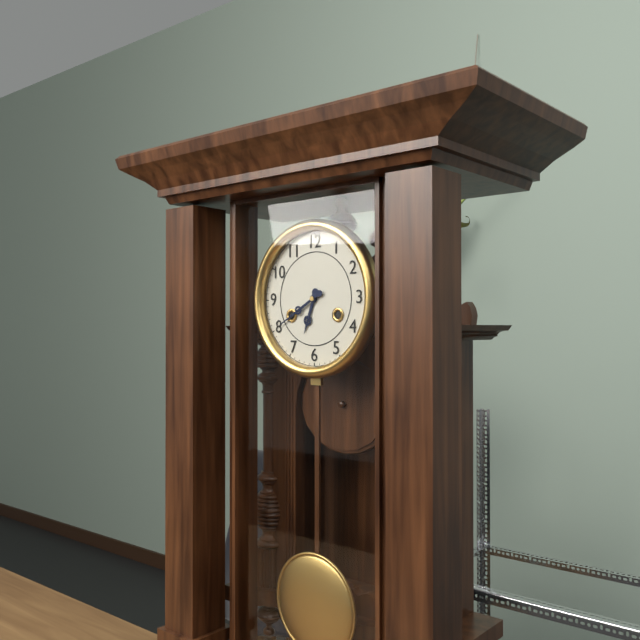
6:40
